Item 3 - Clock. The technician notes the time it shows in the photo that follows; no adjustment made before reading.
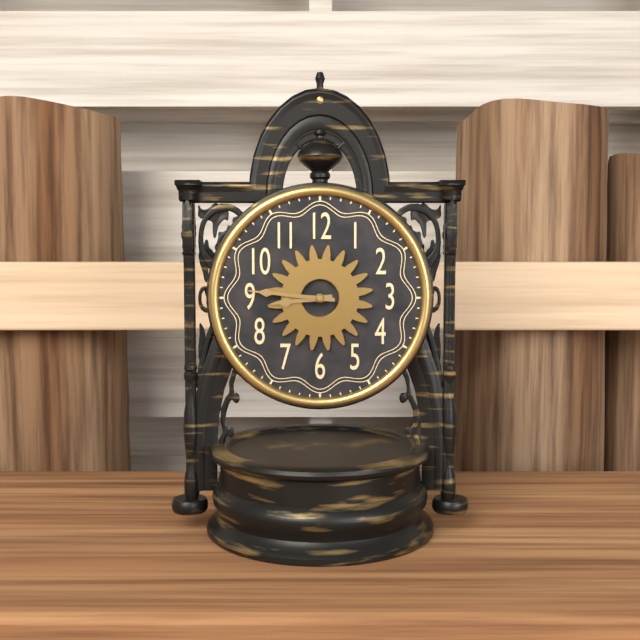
8:46
